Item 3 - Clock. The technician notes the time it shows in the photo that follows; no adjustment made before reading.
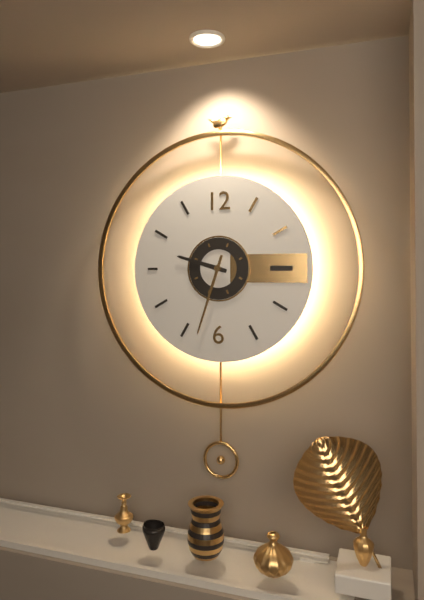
9:33
